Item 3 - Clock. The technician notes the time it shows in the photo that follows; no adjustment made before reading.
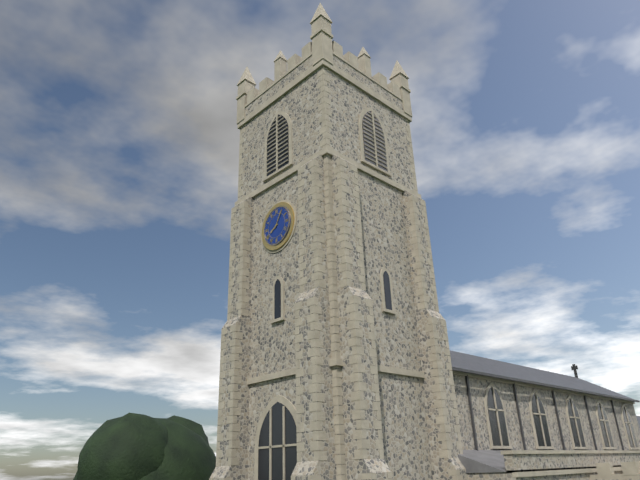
8:05
